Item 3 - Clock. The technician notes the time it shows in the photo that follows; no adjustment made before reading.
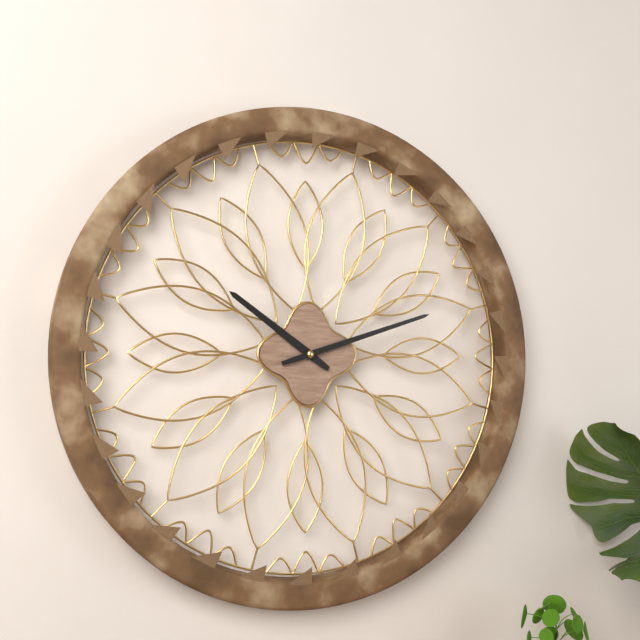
10:12
